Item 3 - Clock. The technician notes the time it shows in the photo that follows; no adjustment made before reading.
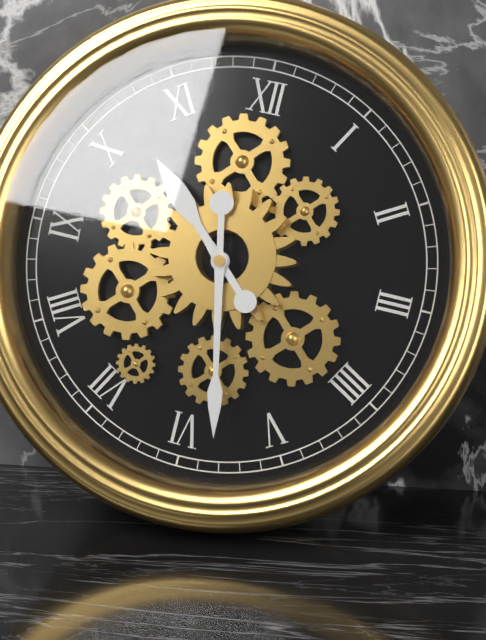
10:28
